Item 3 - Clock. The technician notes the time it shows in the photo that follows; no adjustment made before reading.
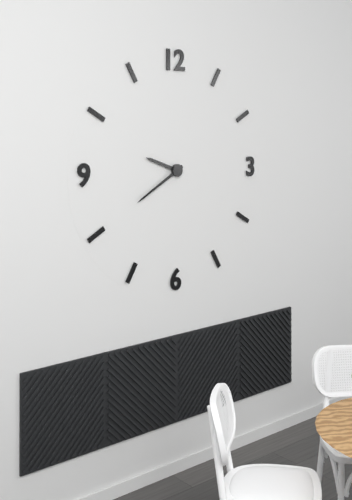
9:40
